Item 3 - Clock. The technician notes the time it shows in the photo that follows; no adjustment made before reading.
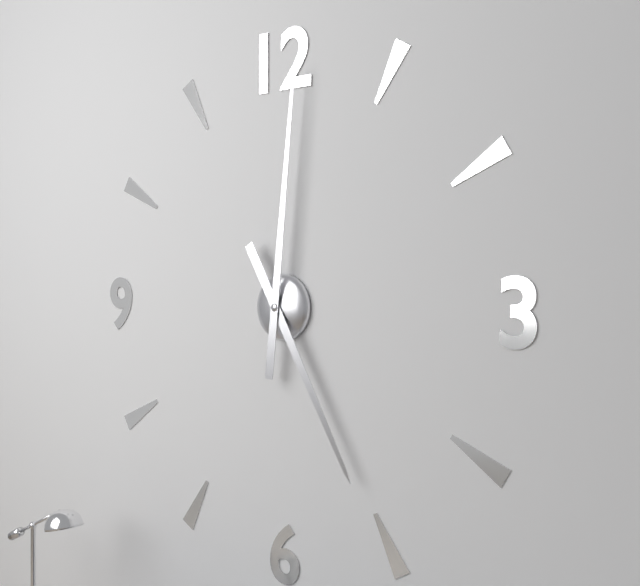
5:01
